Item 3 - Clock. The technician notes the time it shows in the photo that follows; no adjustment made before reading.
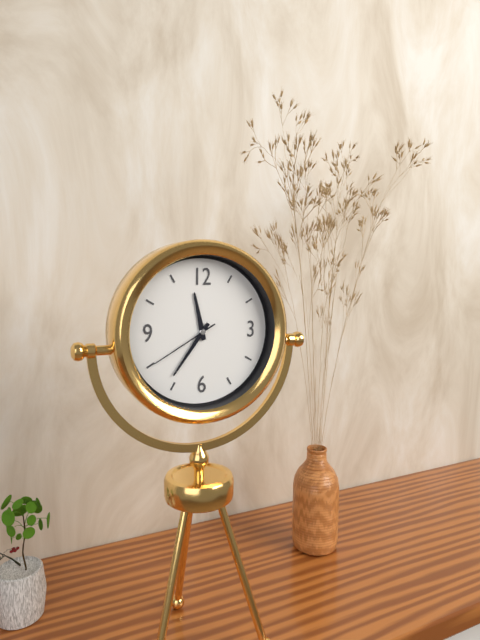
11:36:40
